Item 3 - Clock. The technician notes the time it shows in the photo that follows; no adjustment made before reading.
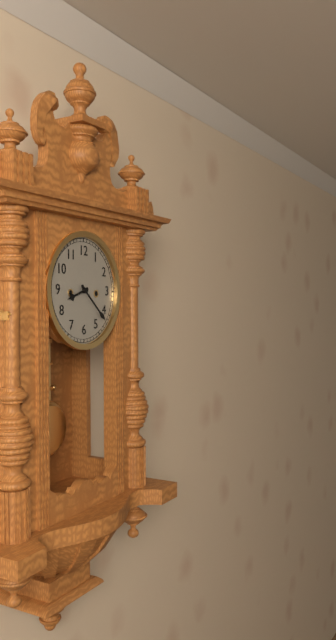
8:22
